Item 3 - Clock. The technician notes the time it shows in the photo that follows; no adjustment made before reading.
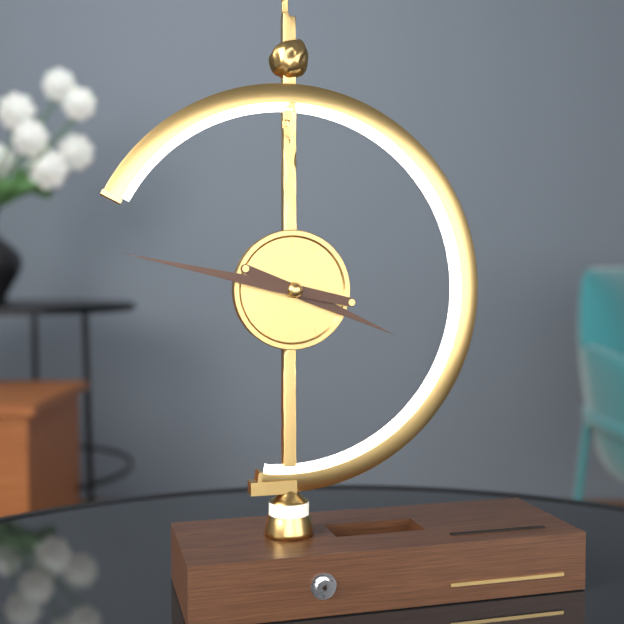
3:47
